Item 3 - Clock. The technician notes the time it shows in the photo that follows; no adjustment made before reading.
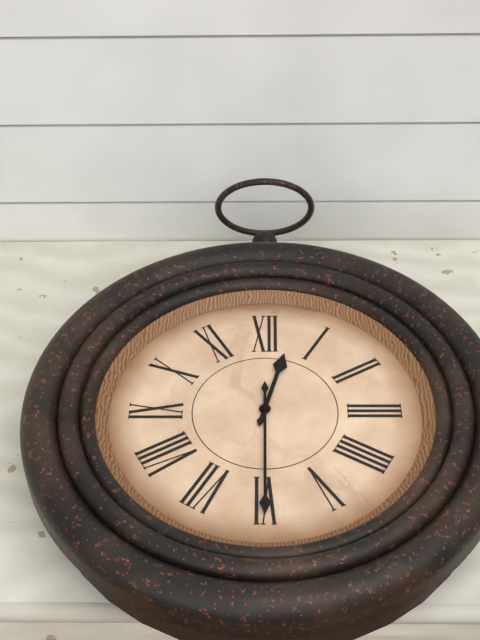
12:30
